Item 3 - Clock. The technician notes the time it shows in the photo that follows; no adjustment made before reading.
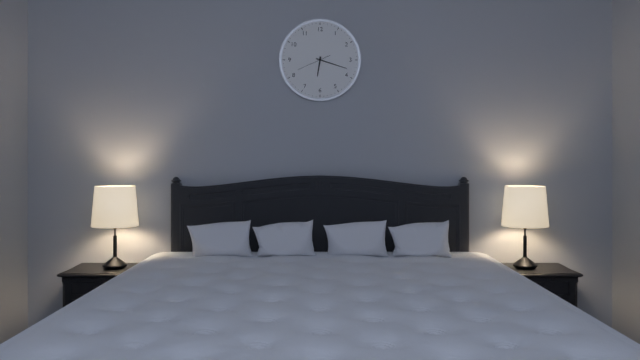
6:18
